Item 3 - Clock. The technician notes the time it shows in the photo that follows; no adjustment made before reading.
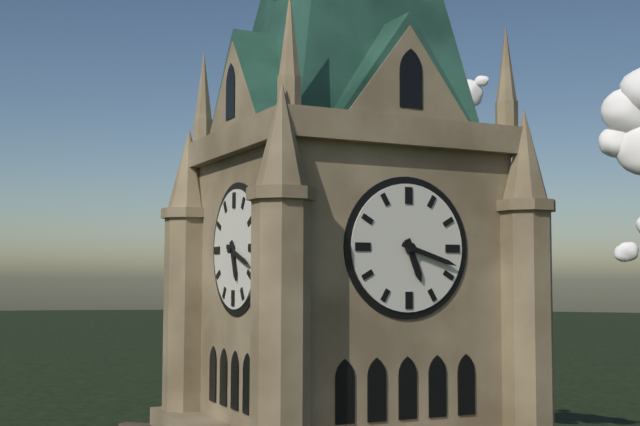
5:18
